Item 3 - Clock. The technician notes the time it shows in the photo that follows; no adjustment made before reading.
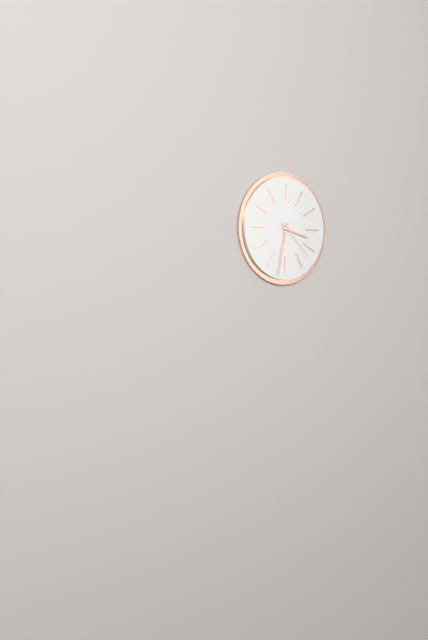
3:32
